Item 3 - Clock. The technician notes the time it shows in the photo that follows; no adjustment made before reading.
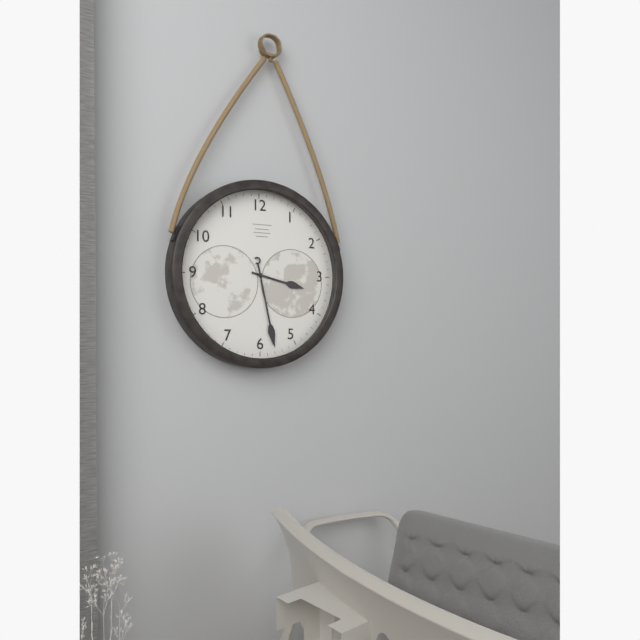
3:28
